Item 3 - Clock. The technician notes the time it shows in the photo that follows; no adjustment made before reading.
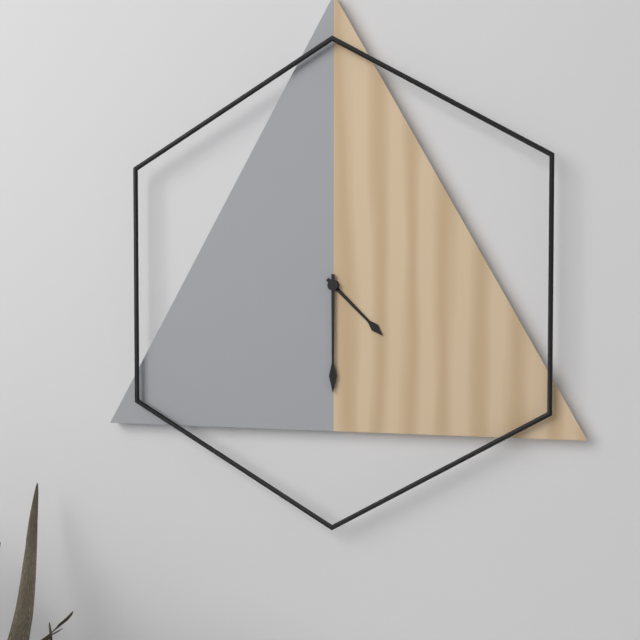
4:30
